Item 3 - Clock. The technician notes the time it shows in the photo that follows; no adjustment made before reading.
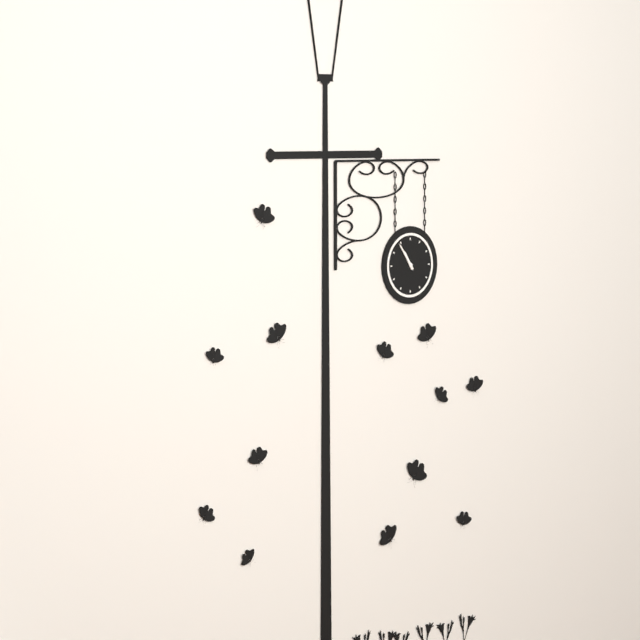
10:54
